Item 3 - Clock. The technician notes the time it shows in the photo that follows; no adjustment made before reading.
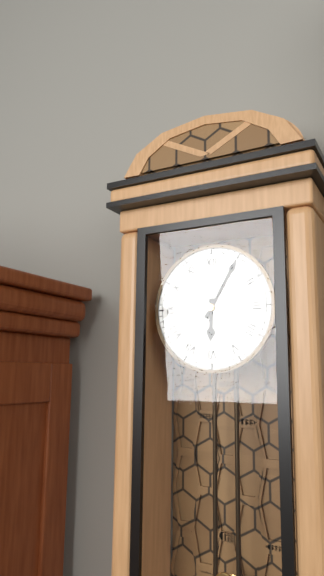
6:05
